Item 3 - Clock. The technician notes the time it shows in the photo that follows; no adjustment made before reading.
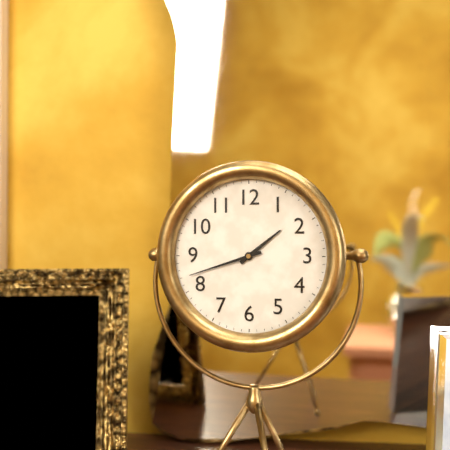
1:42
